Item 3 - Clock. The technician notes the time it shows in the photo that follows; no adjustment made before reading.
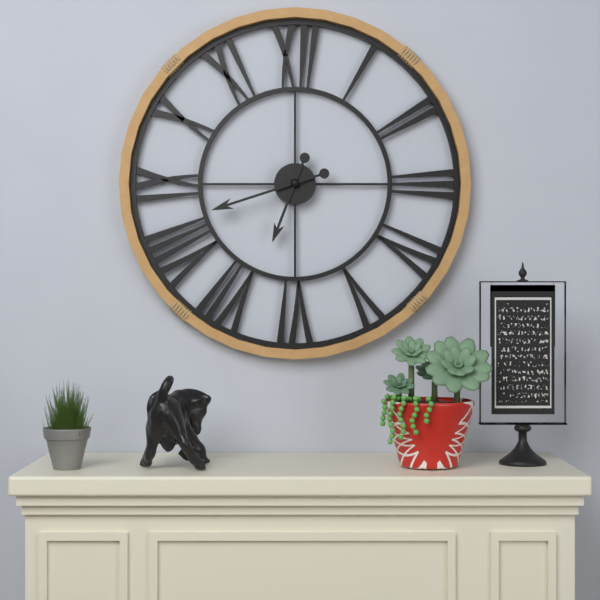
6:42
